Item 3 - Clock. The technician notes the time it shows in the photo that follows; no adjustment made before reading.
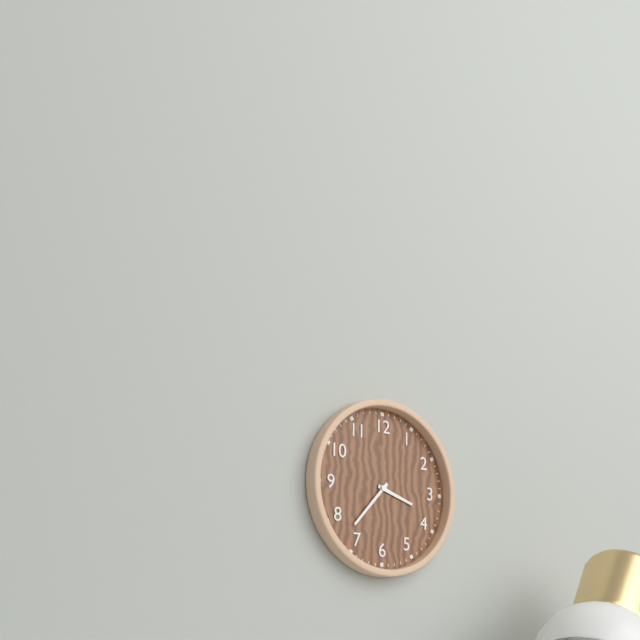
3:37
